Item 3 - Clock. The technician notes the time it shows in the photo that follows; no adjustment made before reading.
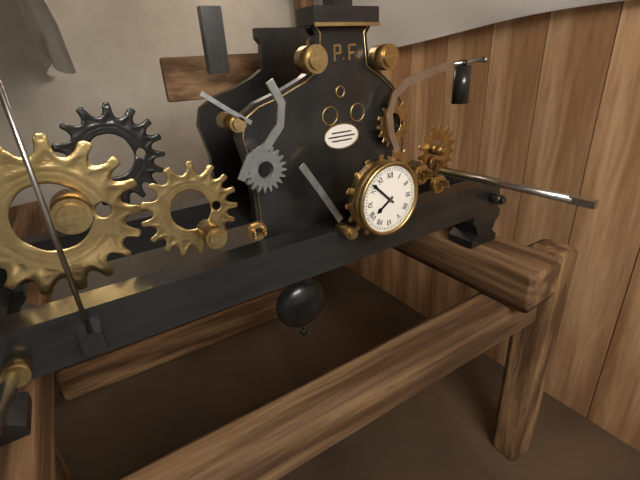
7:52
